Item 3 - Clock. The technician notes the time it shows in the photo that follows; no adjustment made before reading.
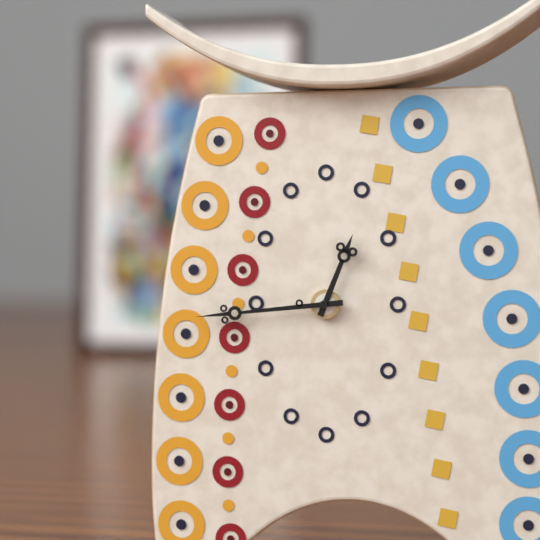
12:44
